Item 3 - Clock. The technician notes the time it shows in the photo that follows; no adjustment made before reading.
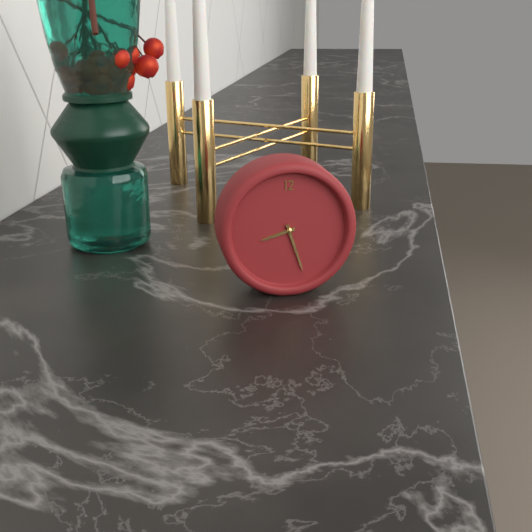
8:27
